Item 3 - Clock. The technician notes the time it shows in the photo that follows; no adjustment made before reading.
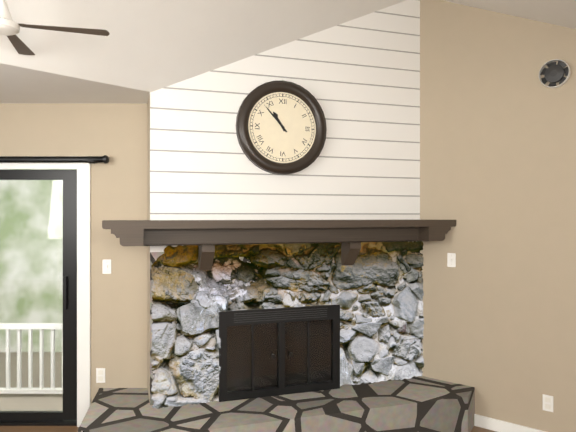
10:53
